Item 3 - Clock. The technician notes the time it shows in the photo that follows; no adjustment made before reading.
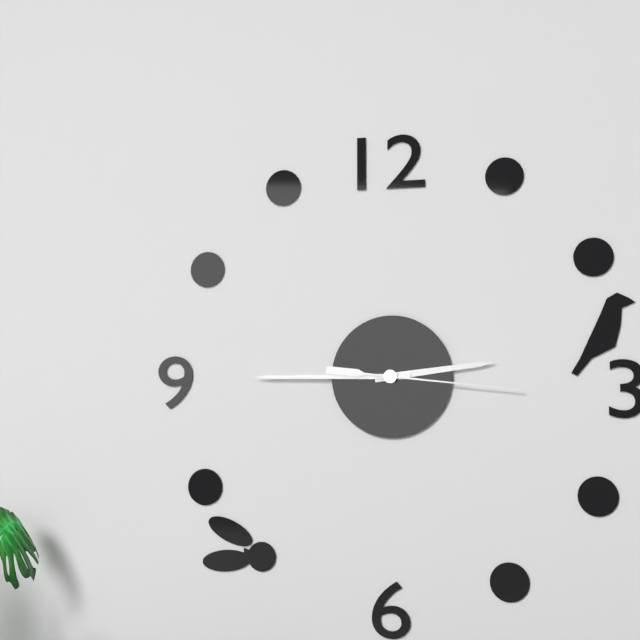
2:45:16
